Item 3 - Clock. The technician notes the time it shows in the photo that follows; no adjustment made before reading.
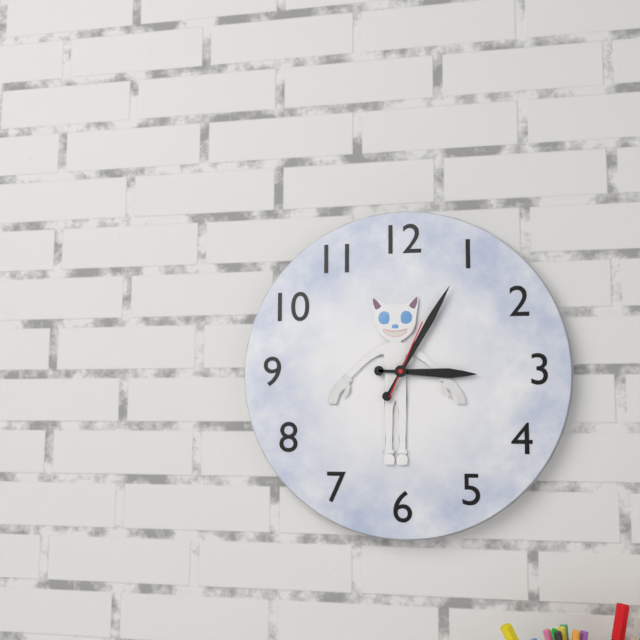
3:05:04
